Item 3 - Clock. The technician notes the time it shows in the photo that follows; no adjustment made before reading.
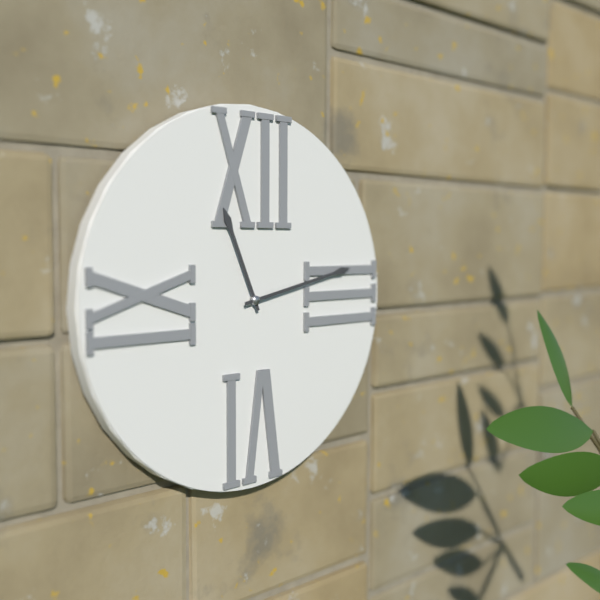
11:13
